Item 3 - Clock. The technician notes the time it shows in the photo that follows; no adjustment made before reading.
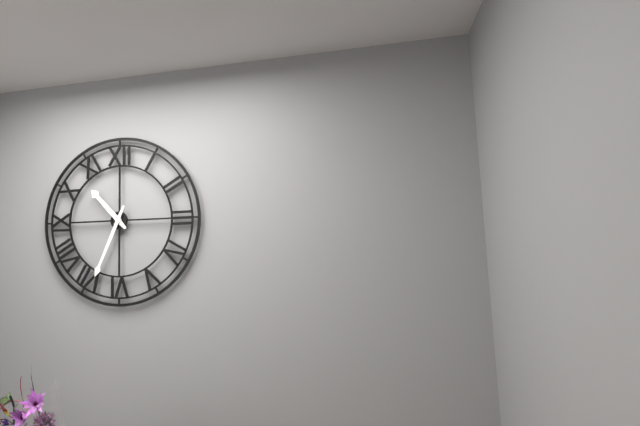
10:34
